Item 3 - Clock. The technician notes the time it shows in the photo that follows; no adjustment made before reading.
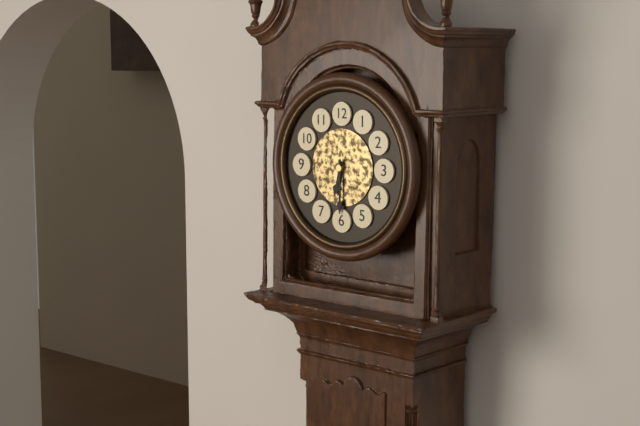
6:30
